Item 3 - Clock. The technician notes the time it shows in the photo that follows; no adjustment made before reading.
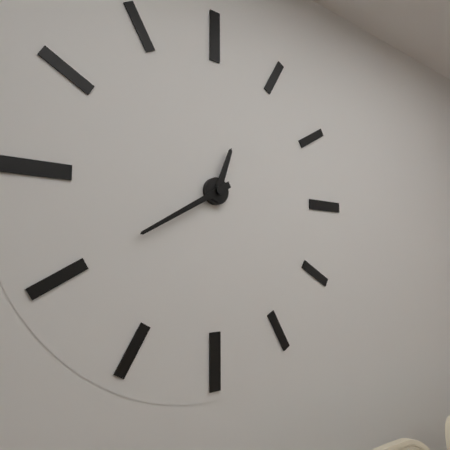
12:40
